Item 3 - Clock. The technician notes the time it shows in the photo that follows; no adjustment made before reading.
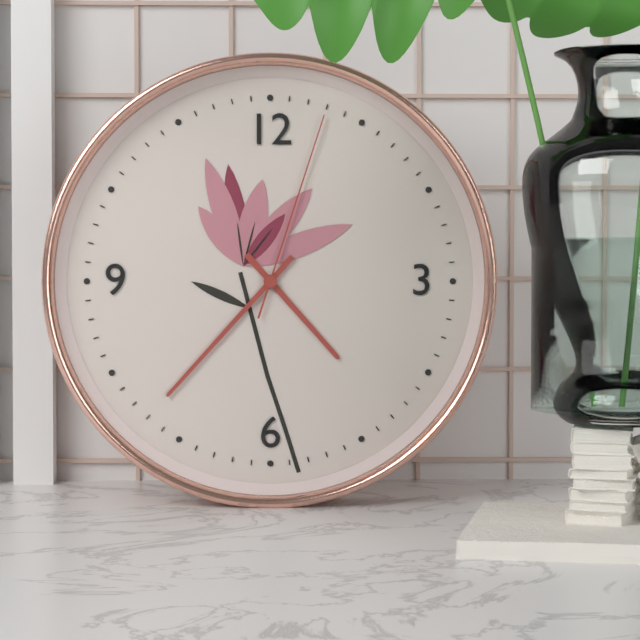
4:37:03
